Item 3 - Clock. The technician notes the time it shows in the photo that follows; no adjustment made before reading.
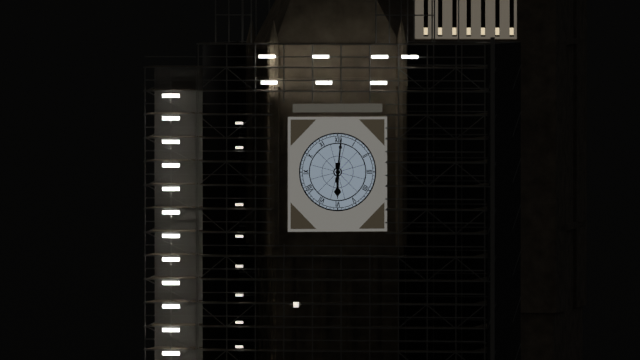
6:01
